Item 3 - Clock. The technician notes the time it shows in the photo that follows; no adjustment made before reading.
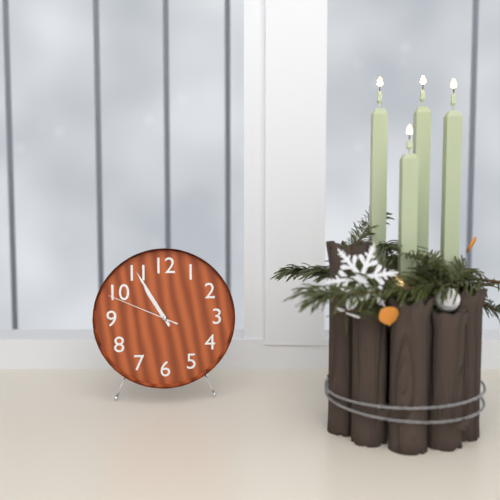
10:55:49
